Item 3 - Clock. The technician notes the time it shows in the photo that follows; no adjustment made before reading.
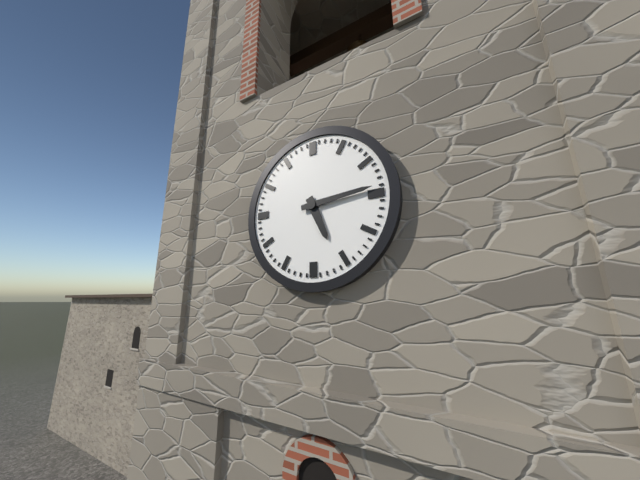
5:14
